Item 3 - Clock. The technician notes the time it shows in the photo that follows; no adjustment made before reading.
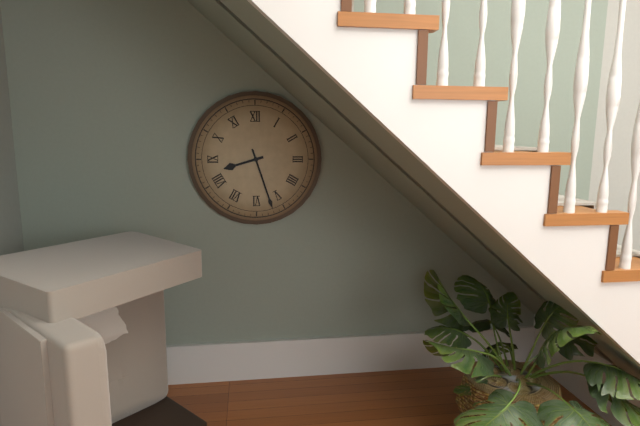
8:27
